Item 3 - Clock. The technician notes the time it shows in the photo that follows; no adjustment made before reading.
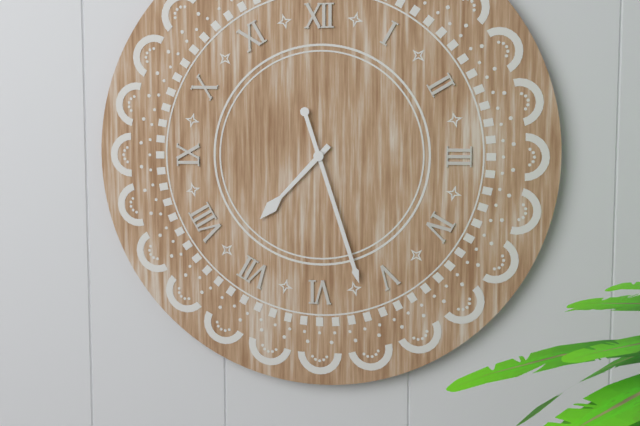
7:27
